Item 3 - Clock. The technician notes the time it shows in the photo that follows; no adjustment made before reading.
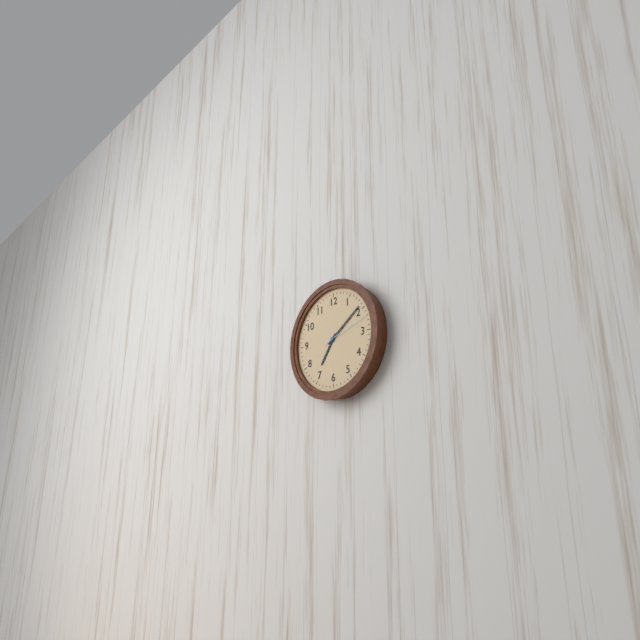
7:09:12
